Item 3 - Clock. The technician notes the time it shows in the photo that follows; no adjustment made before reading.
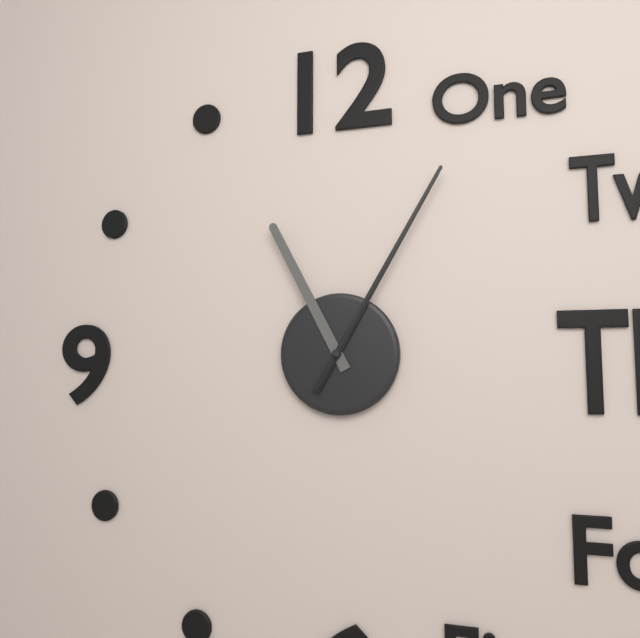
11:05:05
